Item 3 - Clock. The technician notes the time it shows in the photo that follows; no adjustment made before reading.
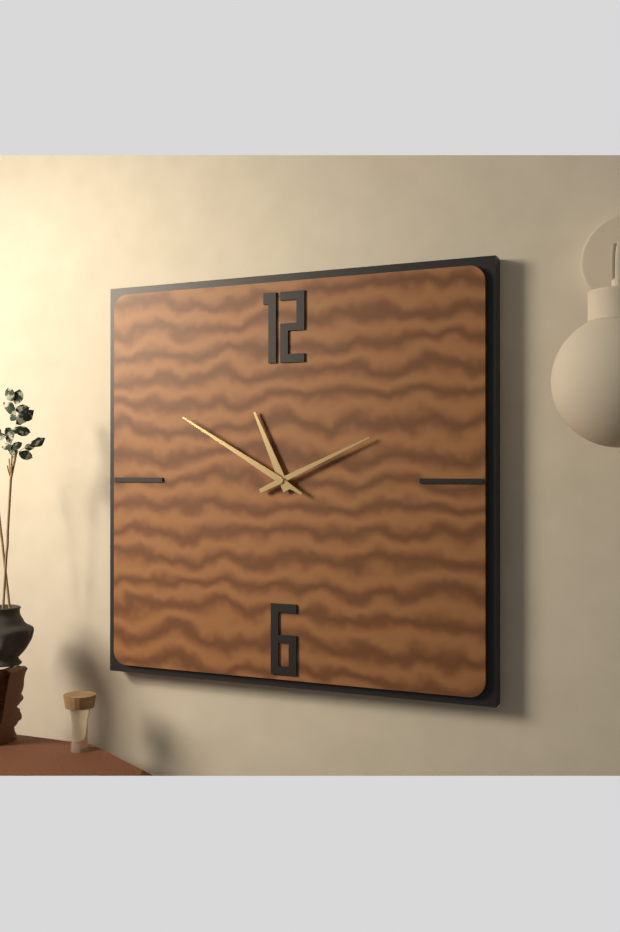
11:11:50
